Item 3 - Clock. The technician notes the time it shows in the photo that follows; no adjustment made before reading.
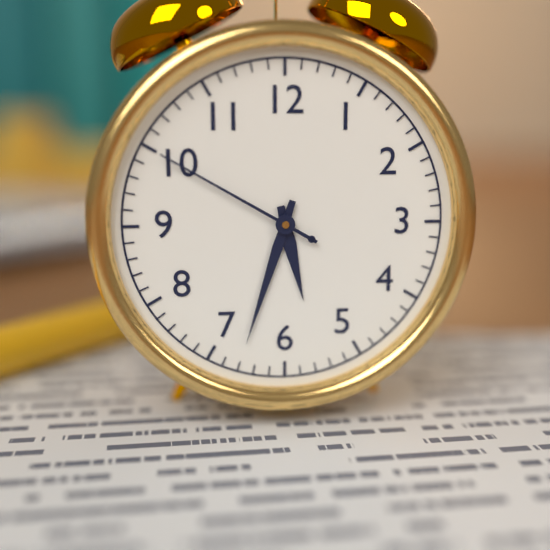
5:33:50
